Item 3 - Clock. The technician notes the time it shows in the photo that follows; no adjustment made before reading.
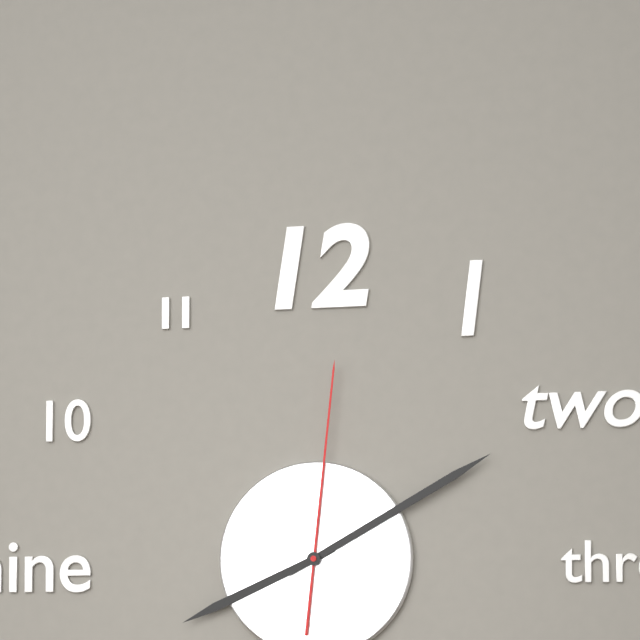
8:10:01
